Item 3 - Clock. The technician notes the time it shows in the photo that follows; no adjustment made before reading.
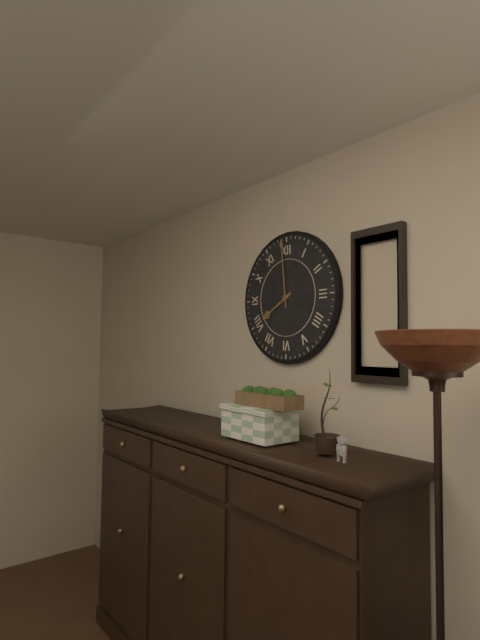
7:59
